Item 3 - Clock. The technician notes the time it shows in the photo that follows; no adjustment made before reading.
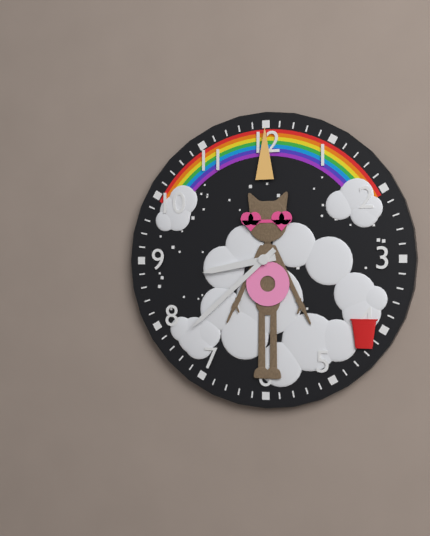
8:38
